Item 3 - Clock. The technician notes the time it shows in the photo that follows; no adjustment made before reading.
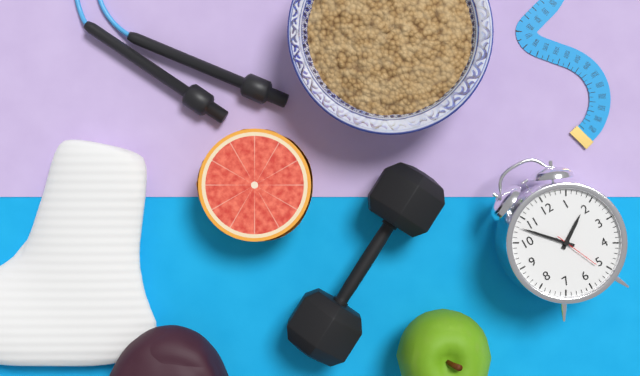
1:53
